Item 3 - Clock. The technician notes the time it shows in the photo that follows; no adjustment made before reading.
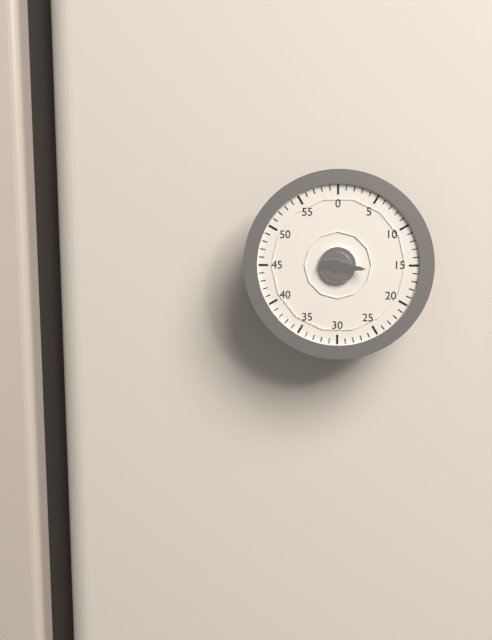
9:16
